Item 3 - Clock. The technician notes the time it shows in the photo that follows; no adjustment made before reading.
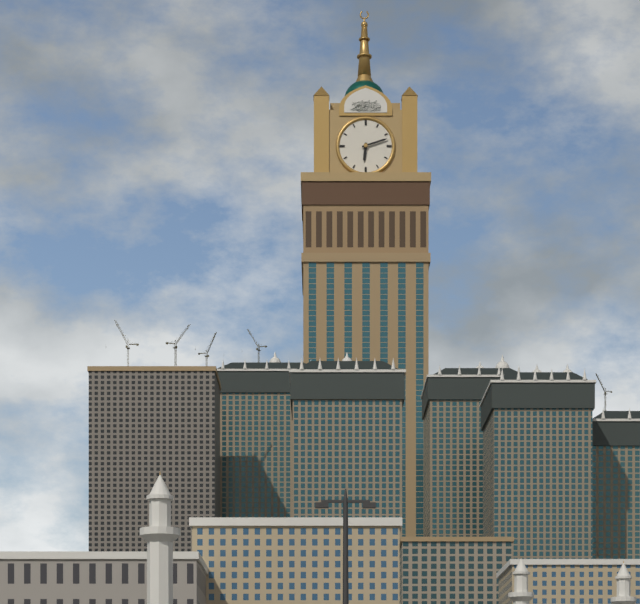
6:12
